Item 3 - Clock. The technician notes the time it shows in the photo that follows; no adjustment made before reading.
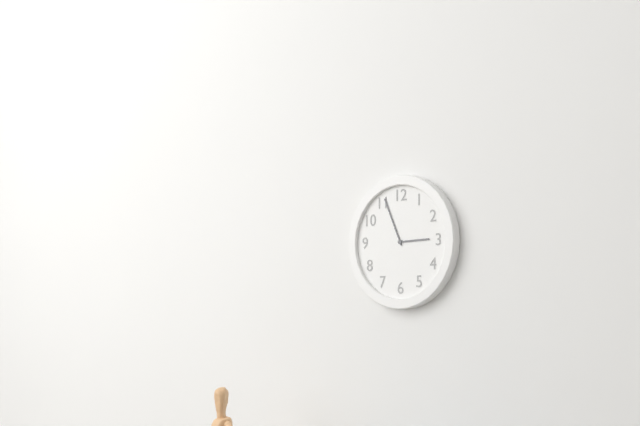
2:56
